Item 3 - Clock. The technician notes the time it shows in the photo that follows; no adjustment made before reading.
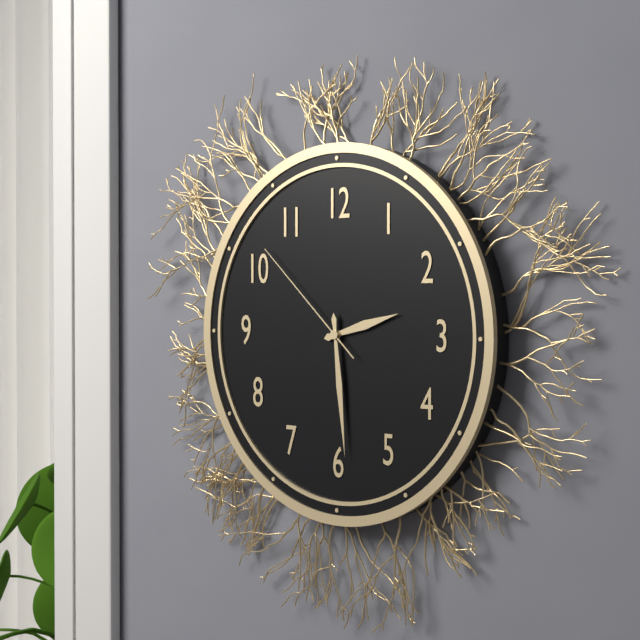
2:29:52
